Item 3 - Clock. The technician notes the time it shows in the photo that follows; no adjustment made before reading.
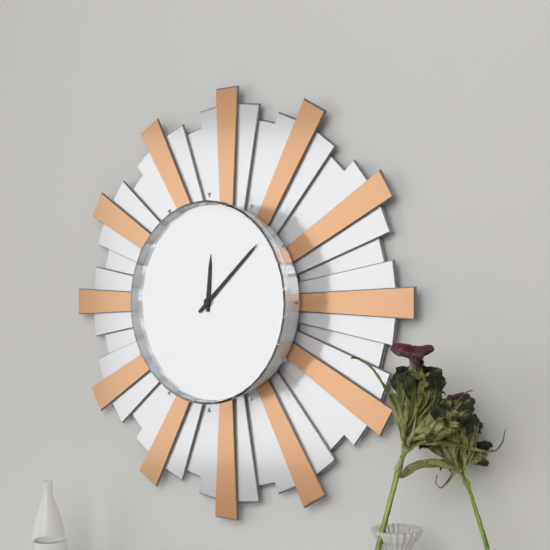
12:08
